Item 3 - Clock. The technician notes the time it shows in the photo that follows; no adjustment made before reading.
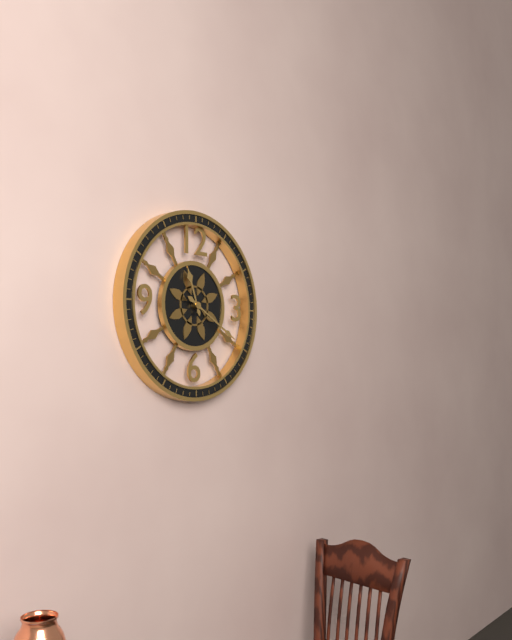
11:20
